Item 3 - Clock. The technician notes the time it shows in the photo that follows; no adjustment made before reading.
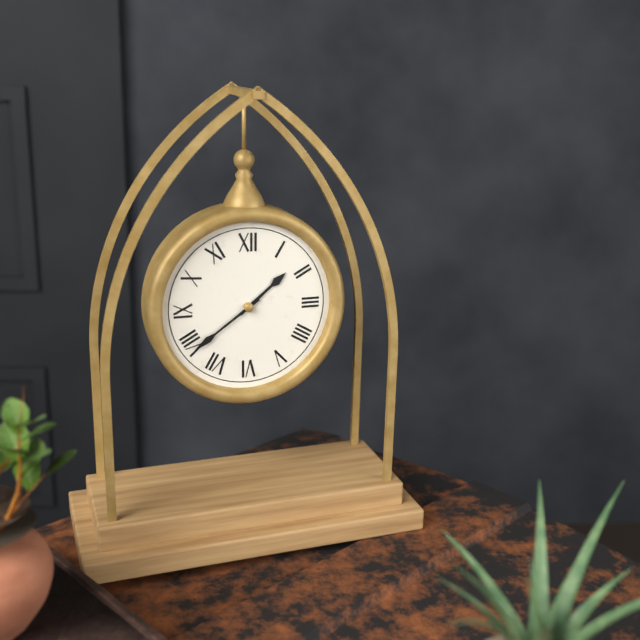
1:39
